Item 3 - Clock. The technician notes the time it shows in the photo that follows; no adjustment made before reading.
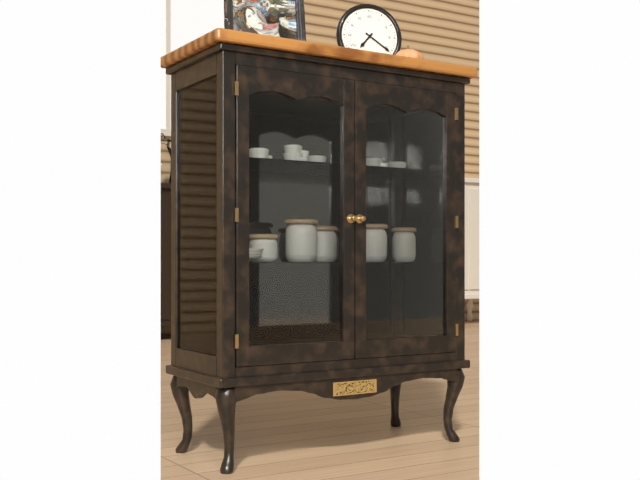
7:21
